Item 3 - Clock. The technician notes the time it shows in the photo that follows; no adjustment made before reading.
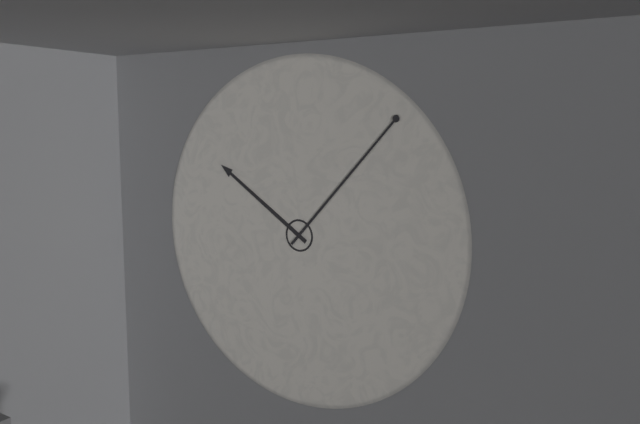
10:07
